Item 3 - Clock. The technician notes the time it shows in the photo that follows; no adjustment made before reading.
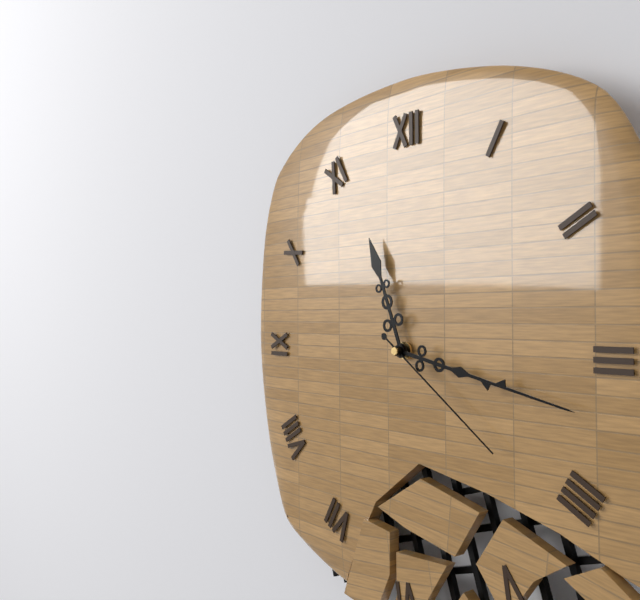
11:17:21
